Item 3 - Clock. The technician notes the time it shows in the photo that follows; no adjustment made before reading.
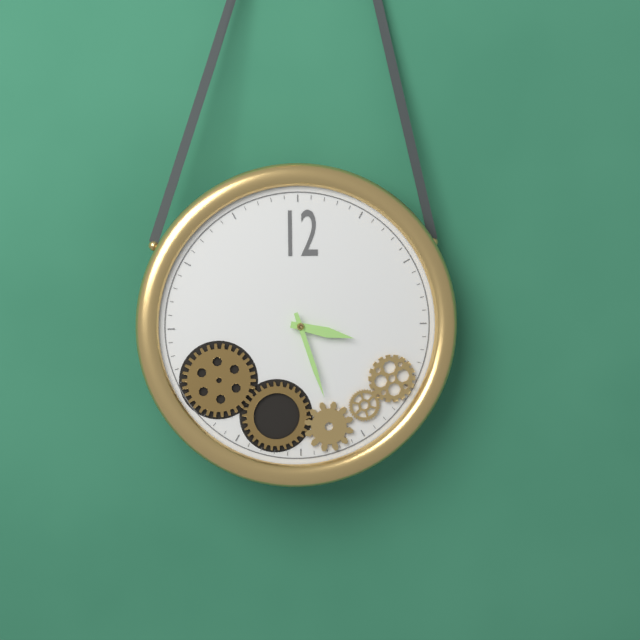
3:27
